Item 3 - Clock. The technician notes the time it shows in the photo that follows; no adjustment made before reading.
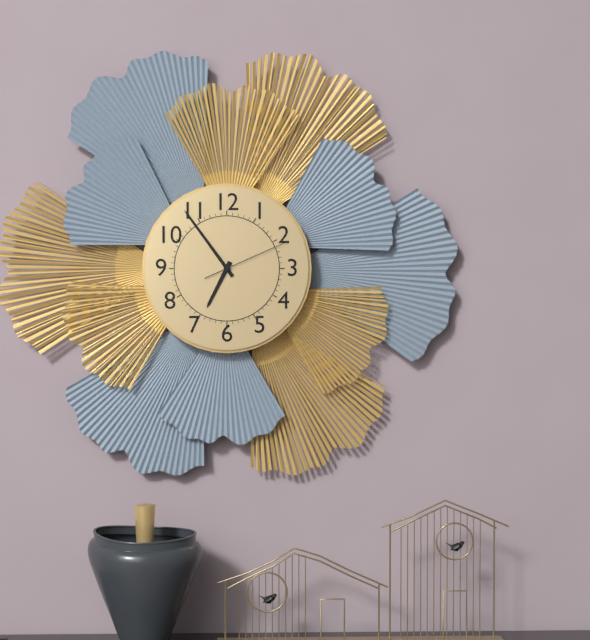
6:54:11
